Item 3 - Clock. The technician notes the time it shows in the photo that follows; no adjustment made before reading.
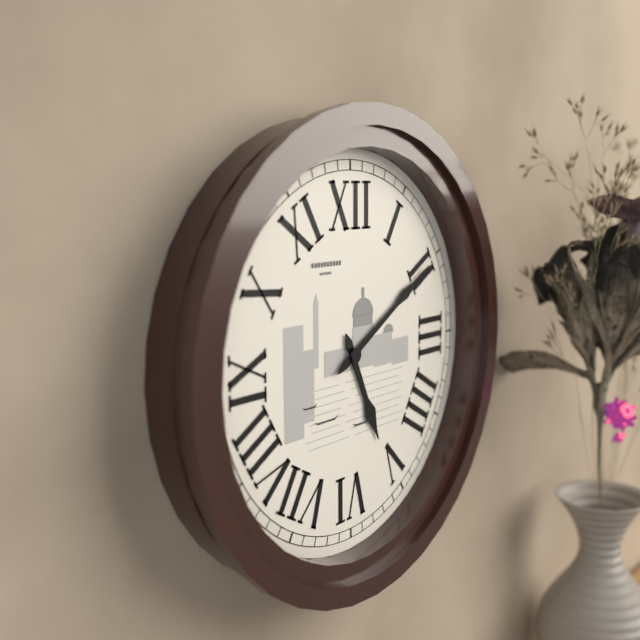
5:10
